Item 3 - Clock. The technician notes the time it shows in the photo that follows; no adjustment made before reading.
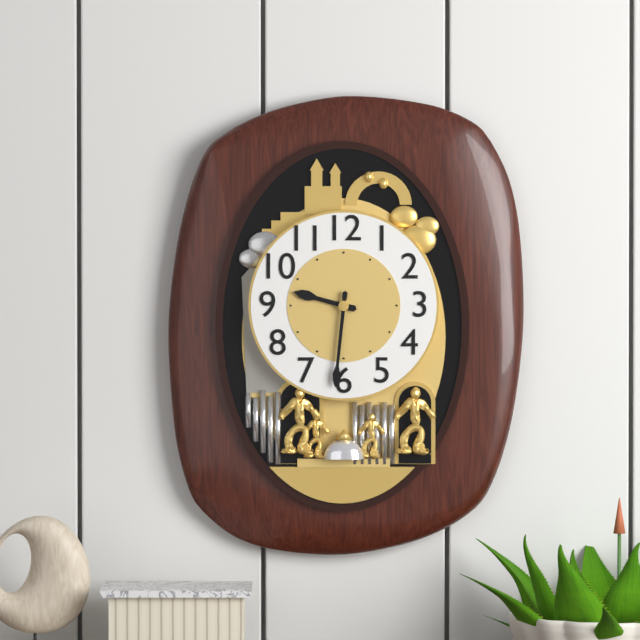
9:31
